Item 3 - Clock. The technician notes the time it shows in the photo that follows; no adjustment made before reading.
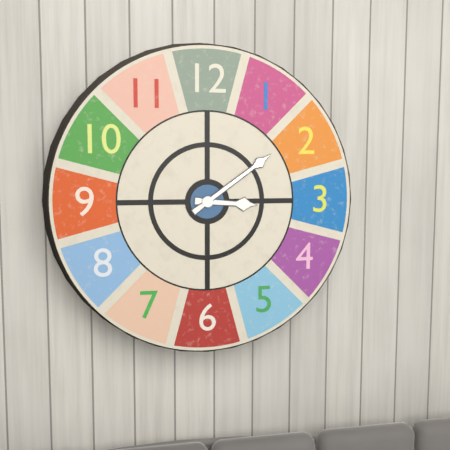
3:09
